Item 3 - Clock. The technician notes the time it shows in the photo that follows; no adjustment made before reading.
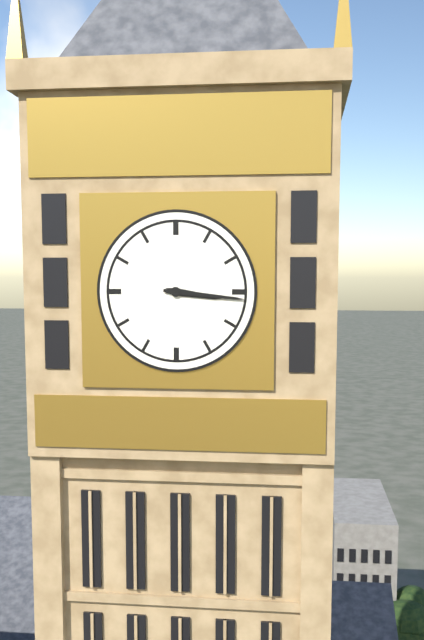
3:16
